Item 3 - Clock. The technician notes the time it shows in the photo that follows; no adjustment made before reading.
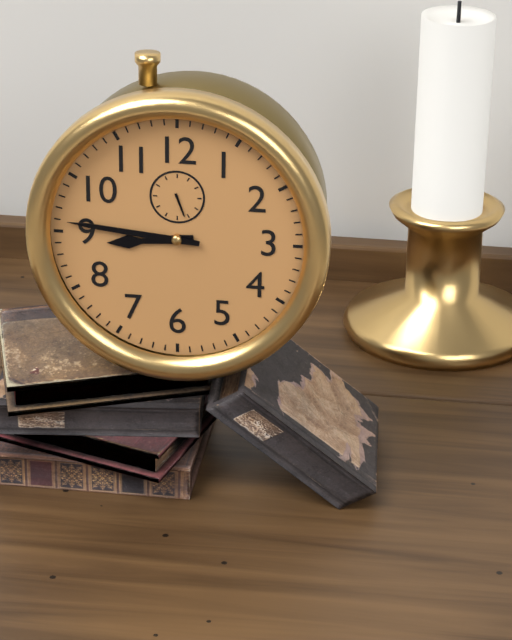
8:46
